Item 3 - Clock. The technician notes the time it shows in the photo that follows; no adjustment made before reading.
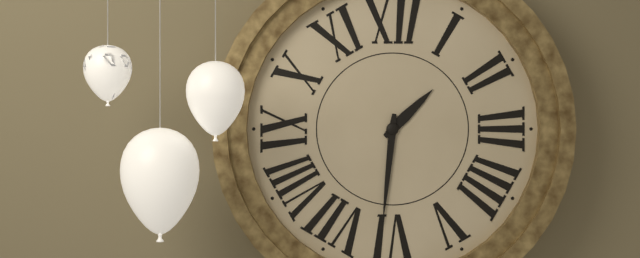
1:31
